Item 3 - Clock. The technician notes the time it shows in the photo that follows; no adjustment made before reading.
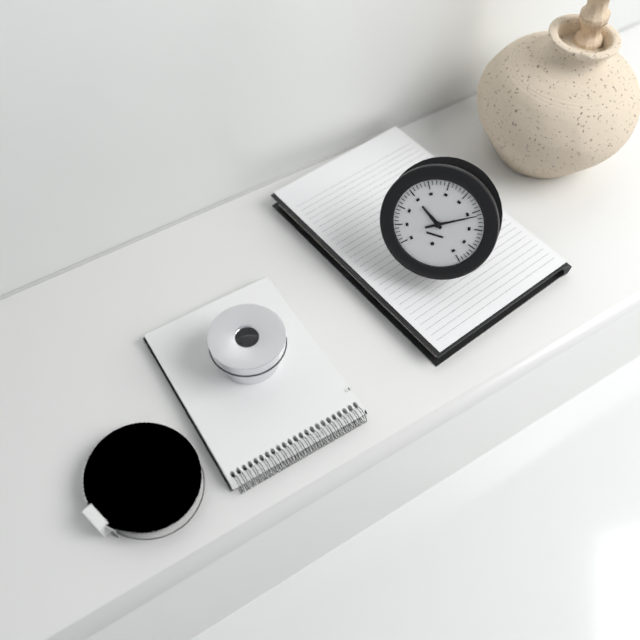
10:10
